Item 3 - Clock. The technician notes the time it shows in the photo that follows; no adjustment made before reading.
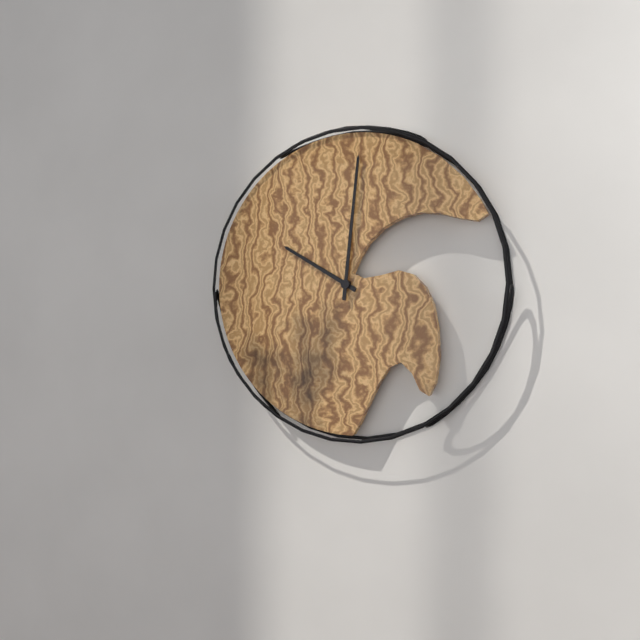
10:01
